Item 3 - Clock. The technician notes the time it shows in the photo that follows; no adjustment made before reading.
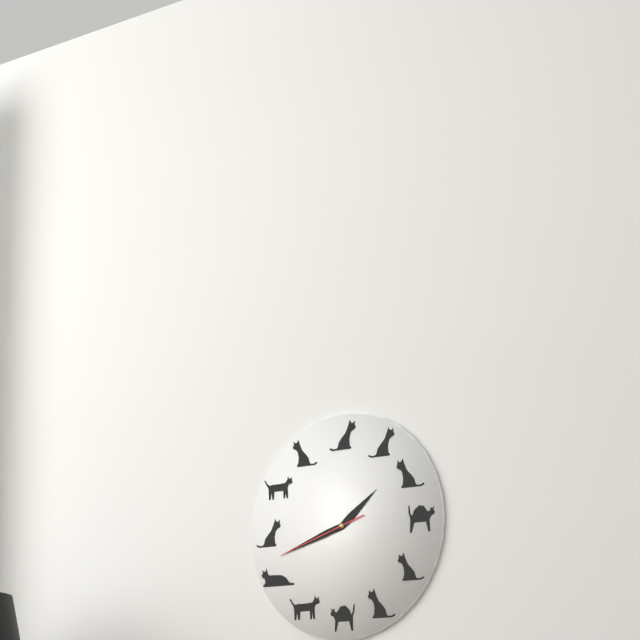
1:42:42
